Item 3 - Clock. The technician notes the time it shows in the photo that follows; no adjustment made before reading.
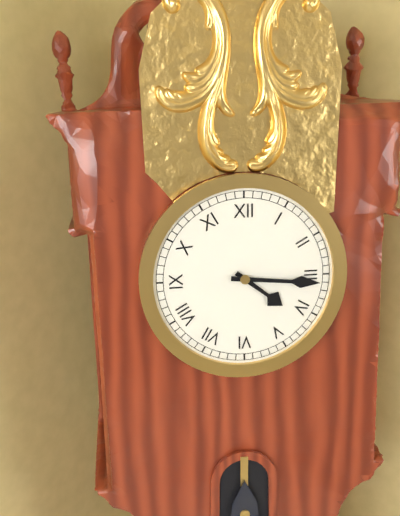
4:16
